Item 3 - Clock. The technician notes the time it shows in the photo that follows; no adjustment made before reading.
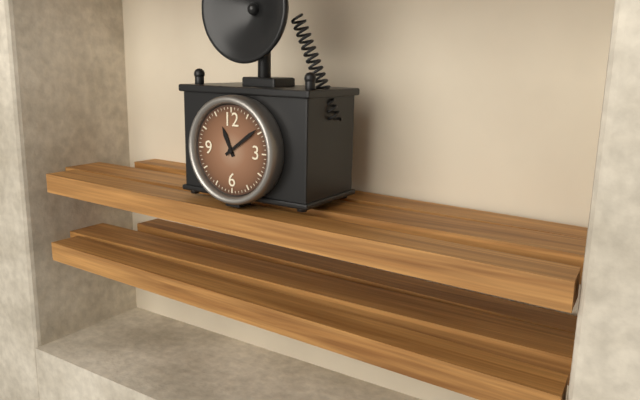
11:09
